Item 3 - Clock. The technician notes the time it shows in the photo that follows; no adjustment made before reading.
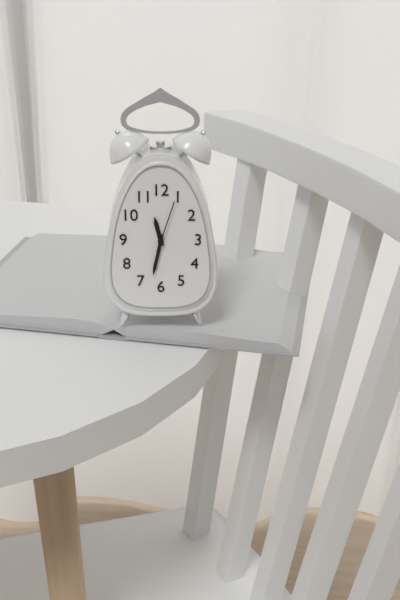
11:32:03
